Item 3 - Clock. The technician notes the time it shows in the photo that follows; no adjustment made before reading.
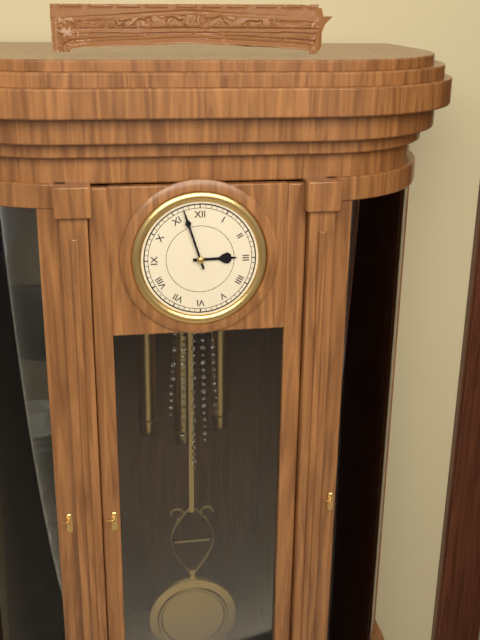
2:57
